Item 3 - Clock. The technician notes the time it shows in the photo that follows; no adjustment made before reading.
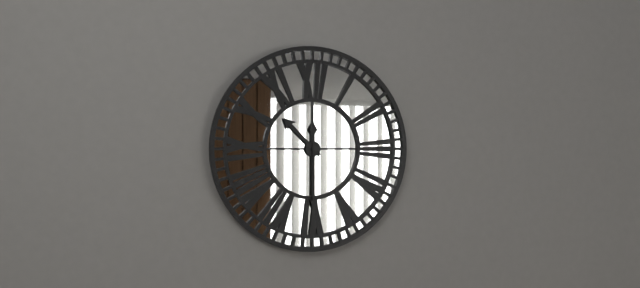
10:30
